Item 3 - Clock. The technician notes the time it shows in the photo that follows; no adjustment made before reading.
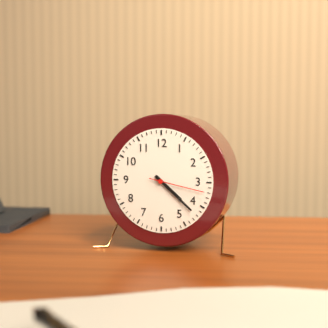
4:22:17
